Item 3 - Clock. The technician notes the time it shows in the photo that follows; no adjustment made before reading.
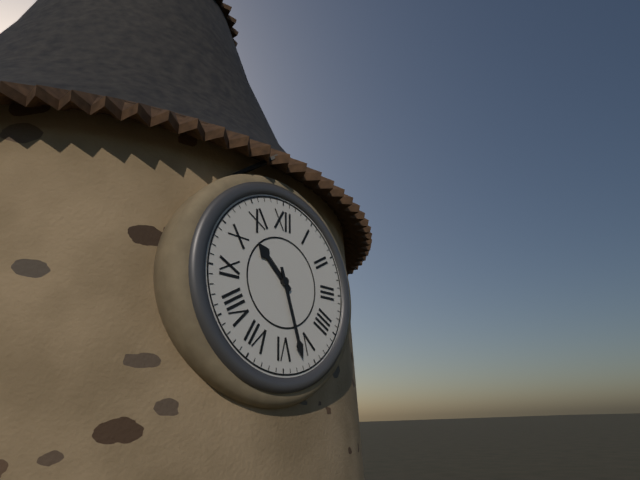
10:27
